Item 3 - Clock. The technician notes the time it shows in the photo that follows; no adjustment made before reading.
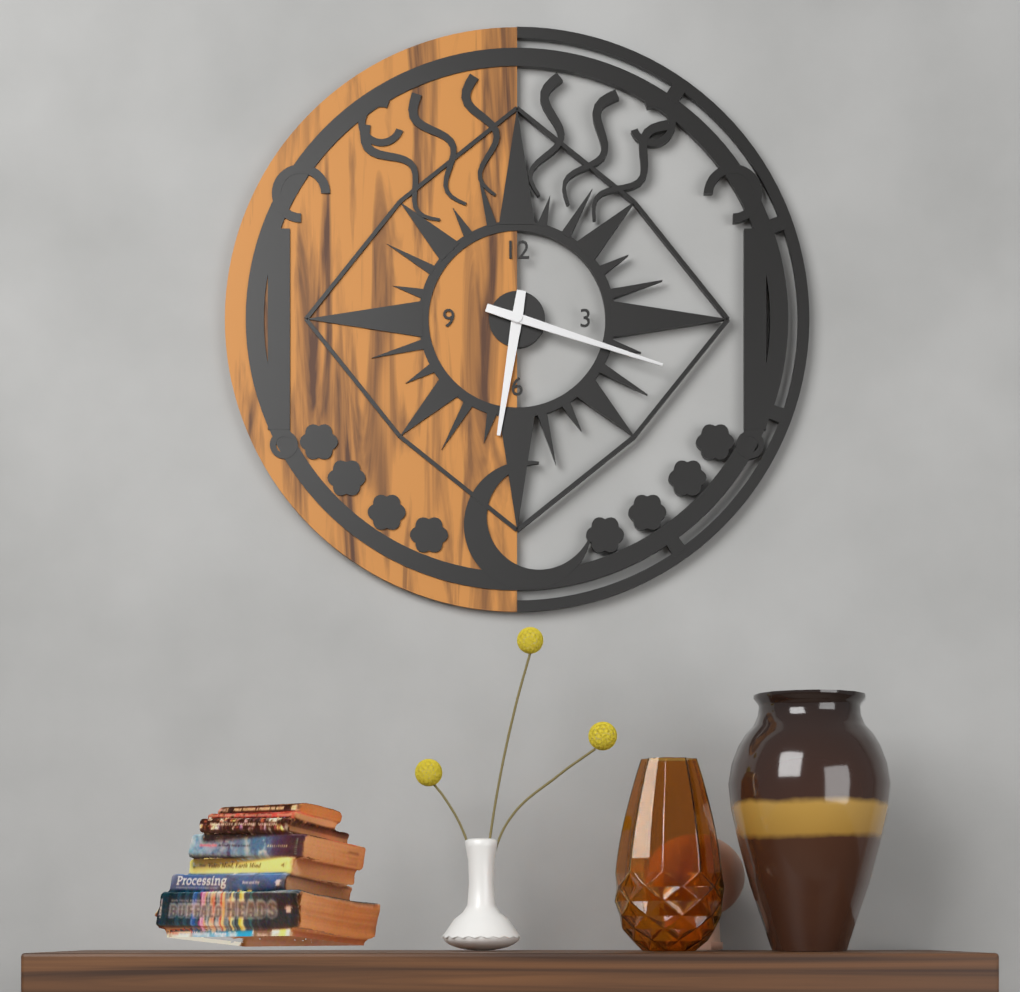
6:18
